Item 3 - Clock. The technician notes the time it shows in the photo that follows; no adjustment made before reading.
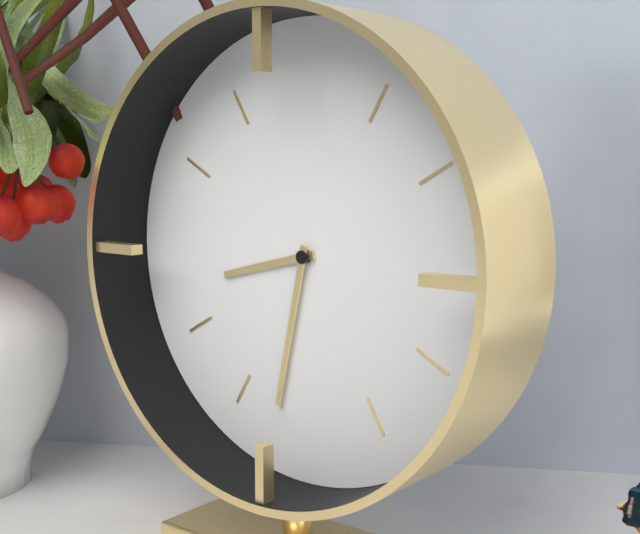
8:32
